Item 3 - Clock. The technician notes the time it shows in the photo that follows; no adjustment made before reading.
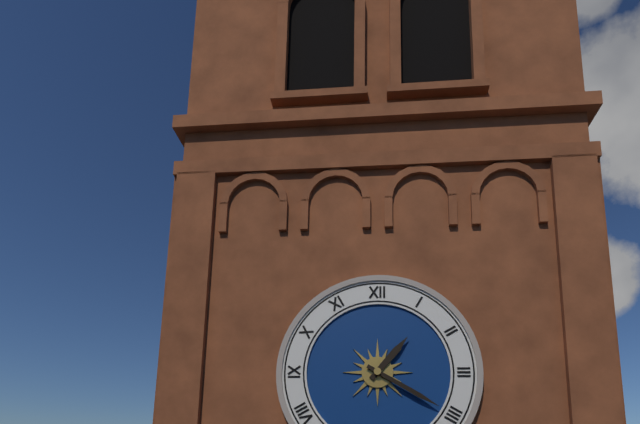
1:20
